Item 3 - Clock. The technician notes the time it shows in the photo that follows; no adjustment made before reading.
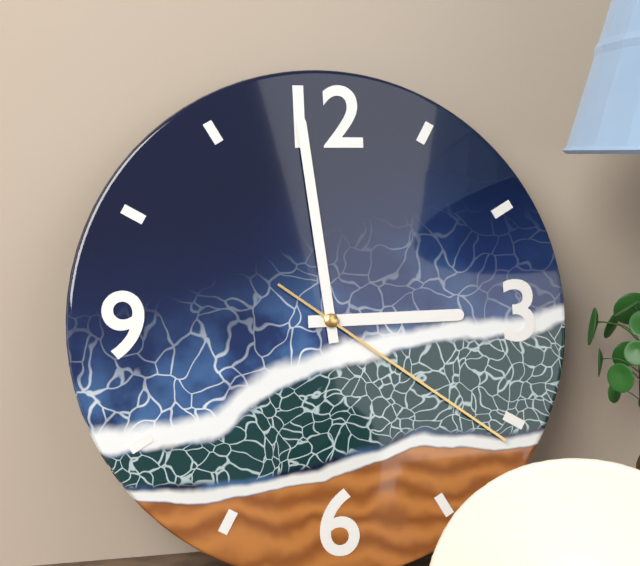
2:59:21
